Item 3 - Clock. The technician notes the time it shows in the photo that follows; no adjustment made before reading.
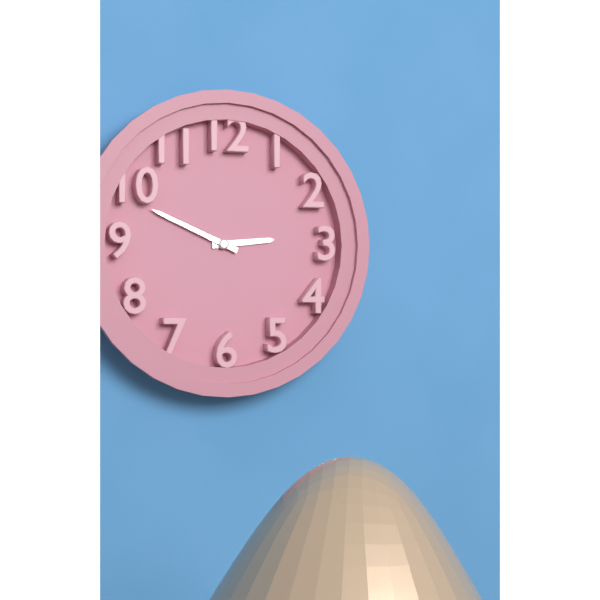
2:49
